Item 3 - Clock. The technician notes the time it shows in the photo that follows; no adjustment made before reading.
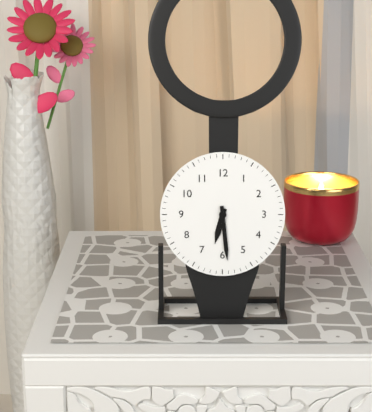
6:29
